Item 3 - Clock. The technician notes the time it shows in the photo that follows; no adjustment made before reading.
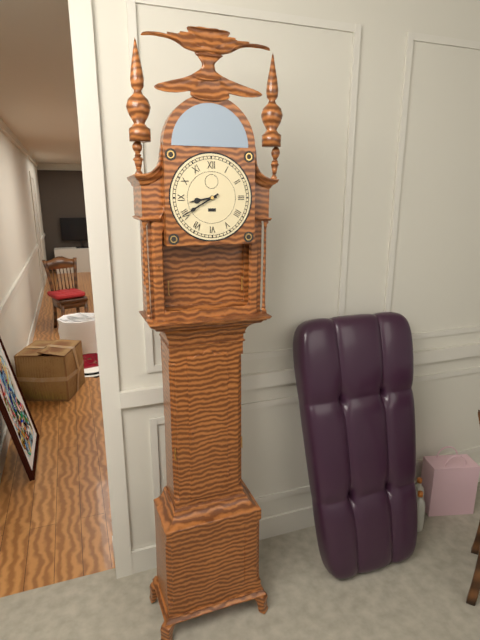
8:40
